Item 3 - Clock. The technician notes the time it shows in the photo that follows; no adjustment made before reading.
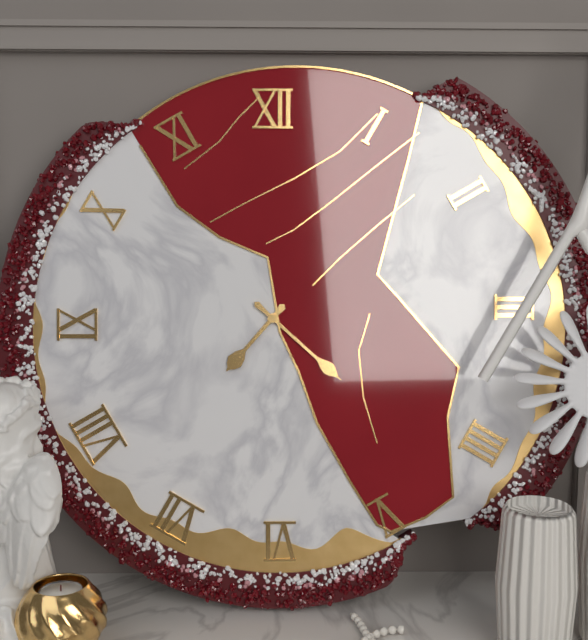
7:22
